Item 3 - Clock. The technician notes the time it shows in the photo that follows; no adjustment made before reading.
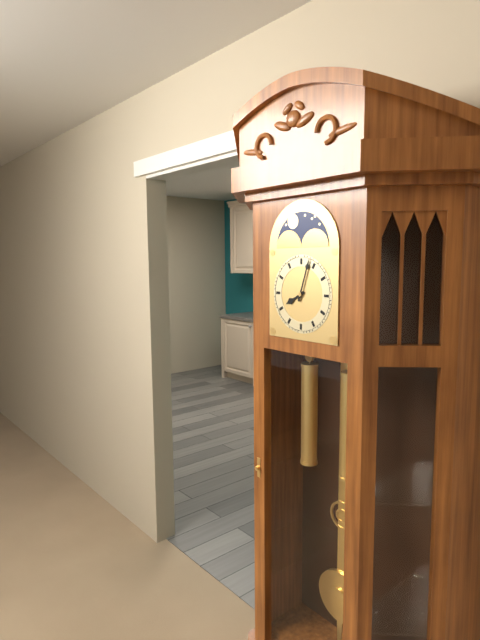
8:03
